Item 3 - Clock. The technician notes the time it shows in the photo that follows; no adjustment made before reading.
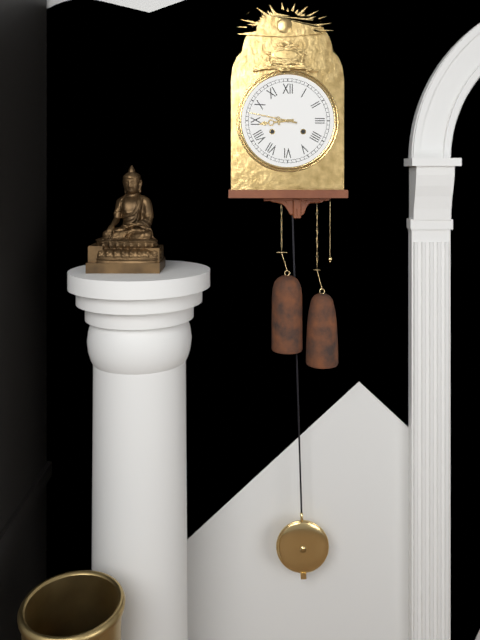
8:47
